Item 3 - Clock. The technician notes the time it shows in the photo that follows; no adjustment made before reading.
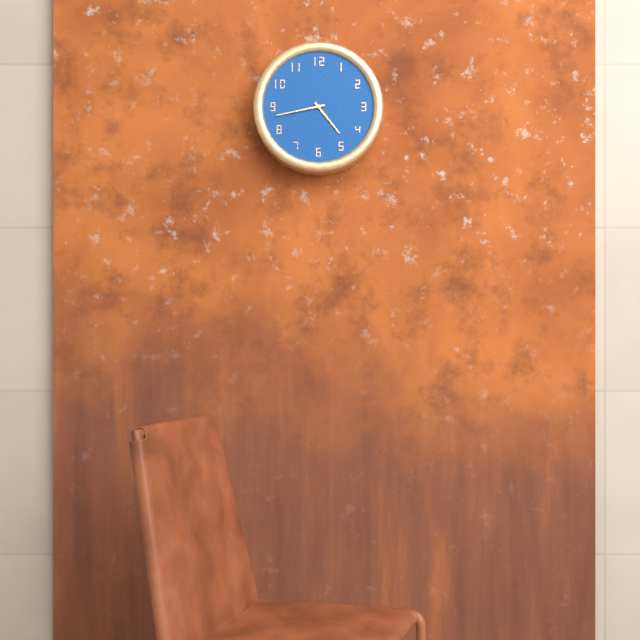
4:43
